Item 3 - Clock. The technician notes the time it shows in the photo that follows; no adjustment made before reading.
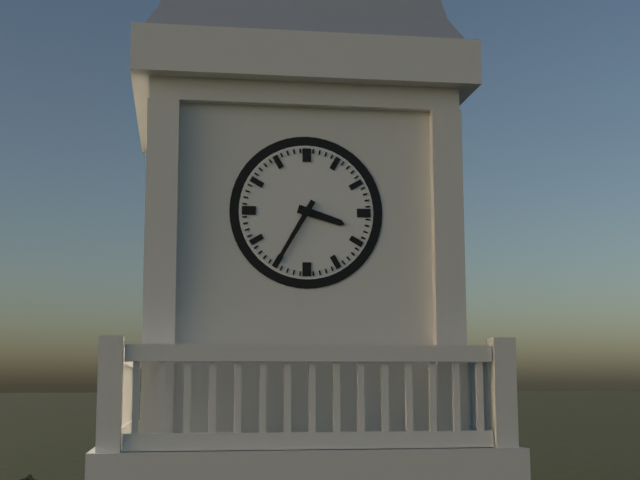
3:35
